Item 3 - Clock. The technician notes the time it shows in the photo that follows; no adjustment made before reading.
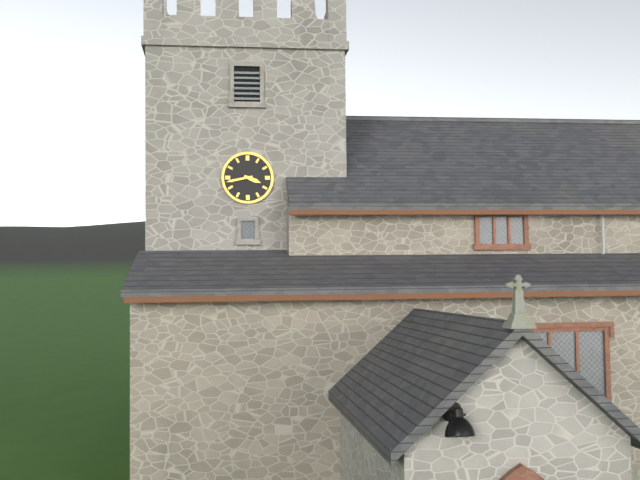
3:43
